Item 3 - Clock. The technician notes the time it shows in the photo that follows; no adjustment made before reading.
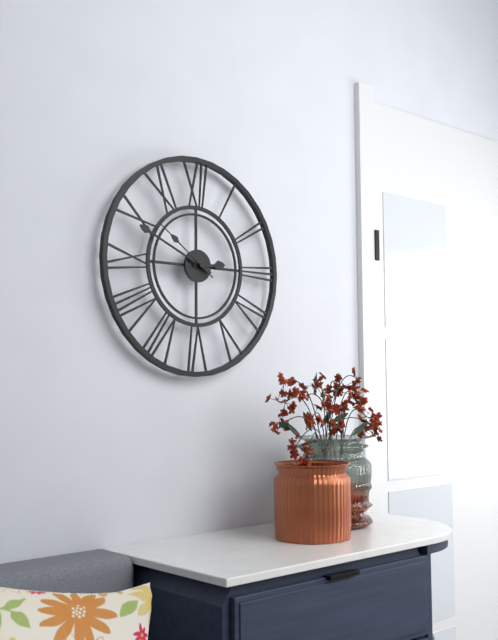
2:49:51
